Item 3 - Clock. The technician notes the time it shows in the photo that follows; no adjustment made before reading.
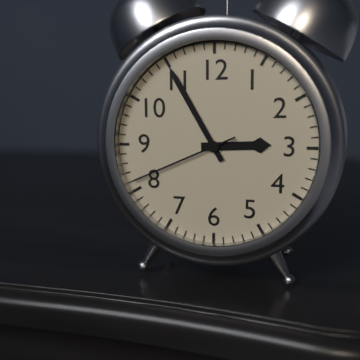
2:55:41
